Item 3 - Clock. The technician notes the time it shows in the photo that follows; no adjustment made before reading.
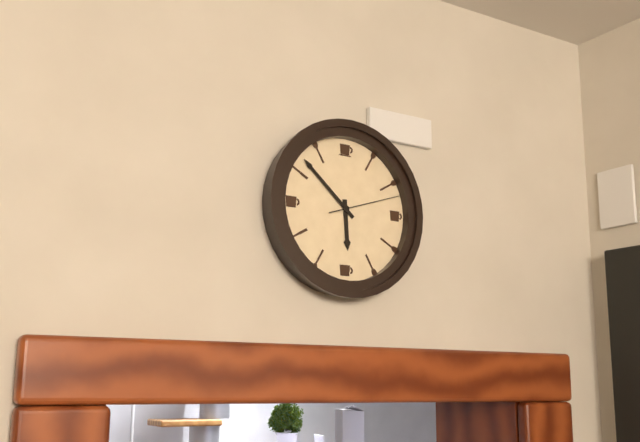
5:52:12
